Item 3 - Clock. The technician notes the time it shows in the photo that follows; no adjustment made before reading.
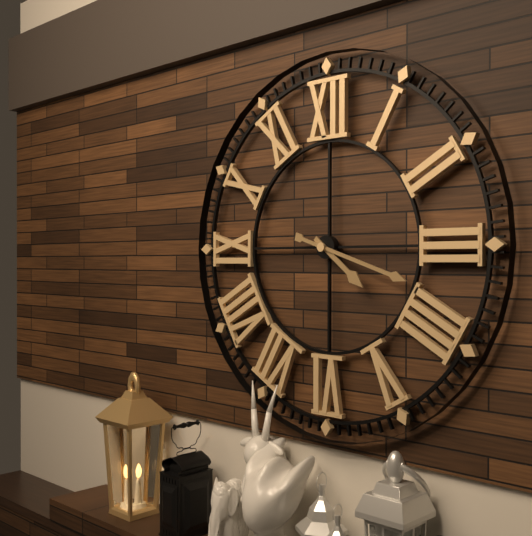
4:18
